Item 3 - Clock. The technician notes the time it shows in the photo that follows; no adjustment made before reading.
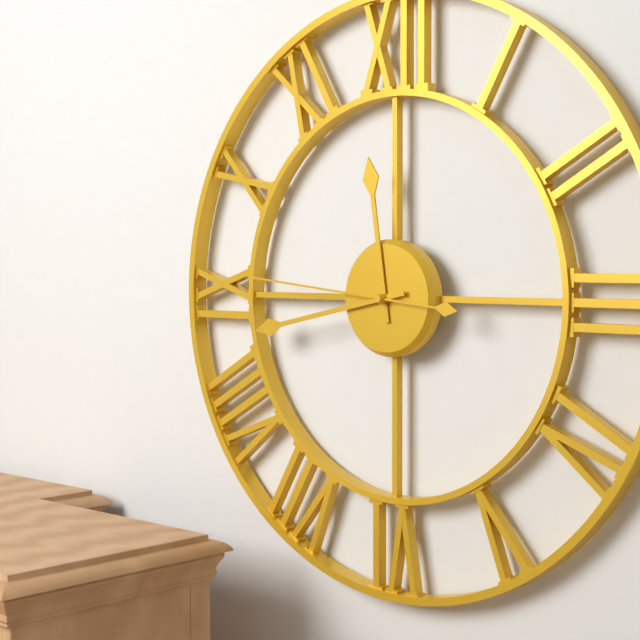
11:43:46
